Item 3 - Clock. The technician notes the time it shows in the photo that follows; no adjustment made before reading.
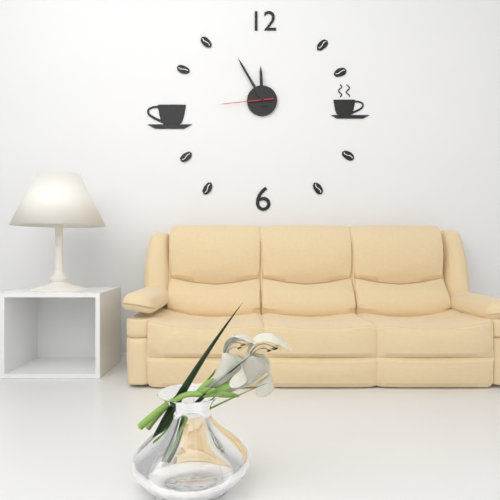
11:55:44
